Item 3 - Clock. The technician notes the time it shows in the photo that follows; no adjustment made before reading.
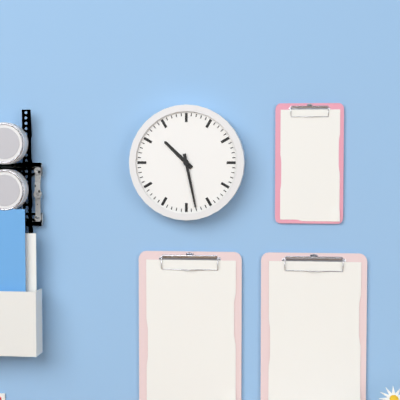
10:28
